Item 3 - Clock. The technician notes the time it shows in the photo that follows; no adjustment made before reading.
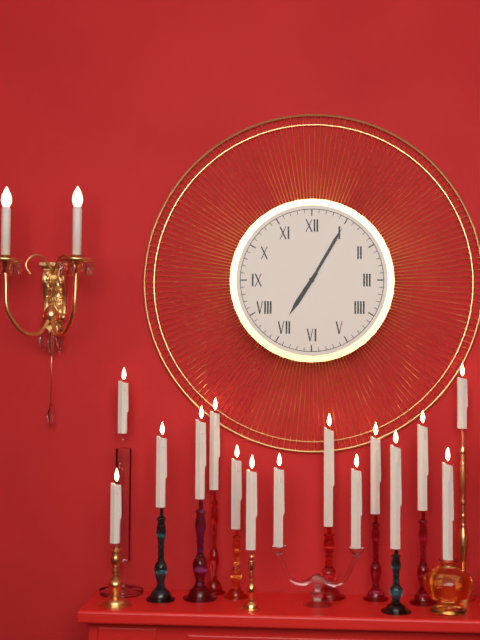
7:05
